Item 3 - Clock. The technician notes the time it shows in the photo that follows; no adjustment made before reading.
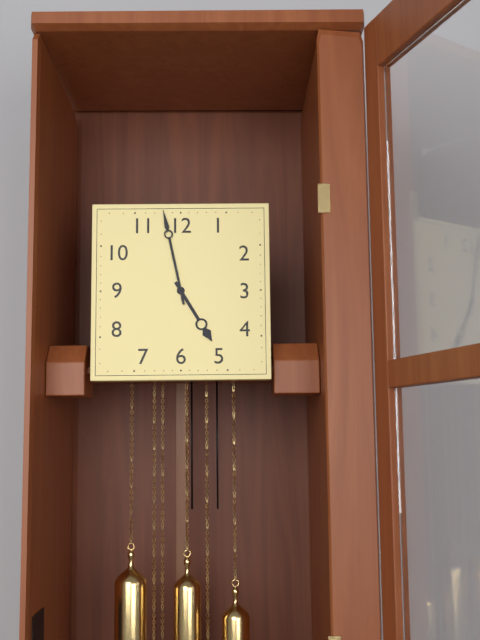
4:58
